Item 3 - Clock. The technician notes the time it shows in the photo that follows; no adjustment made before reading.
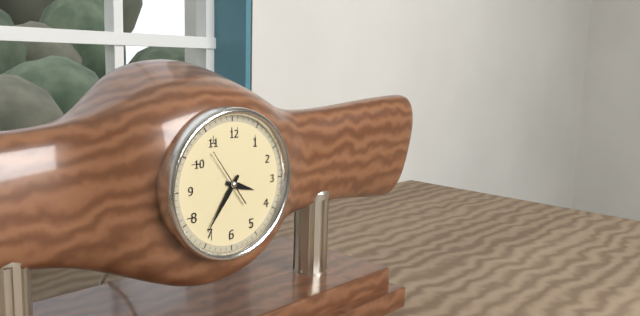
3:36
